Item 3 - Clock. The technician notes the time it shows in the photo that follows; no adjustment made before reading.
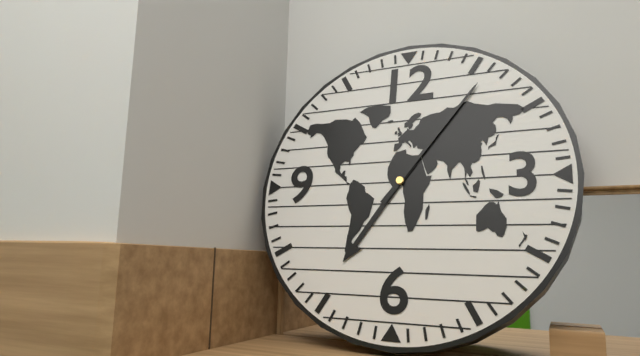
7:06
